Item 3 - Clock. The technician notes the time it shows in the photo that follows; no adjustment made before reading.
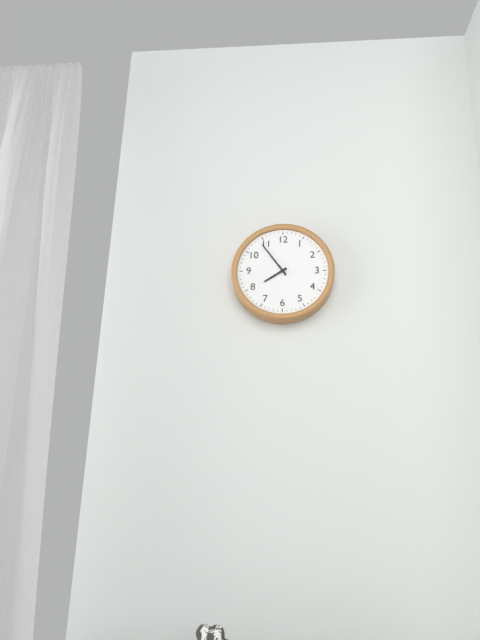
7:54
